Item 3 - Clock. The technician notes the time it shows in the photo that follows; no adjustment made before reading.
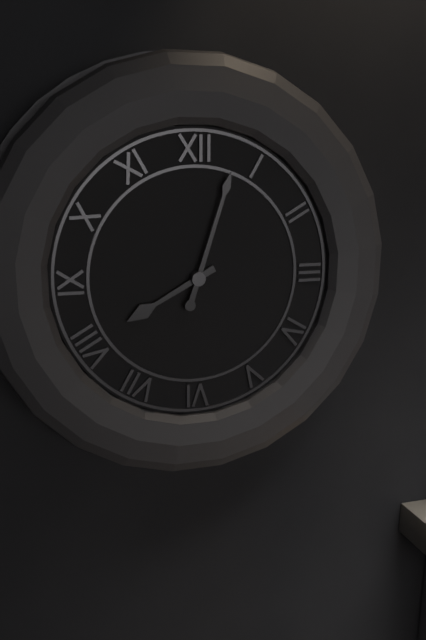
8:03
